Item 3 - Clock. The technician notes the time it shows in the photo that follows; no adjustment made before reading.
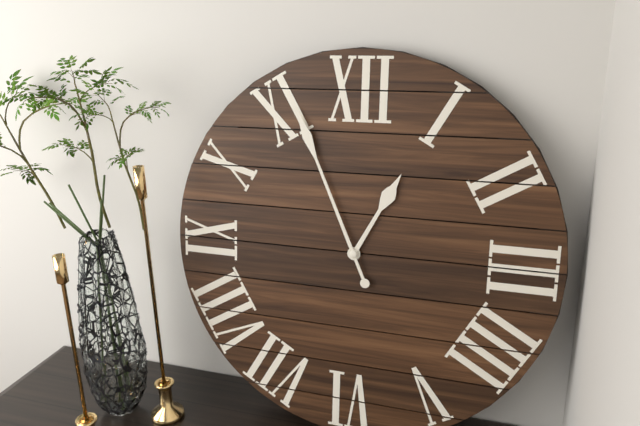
12:56
